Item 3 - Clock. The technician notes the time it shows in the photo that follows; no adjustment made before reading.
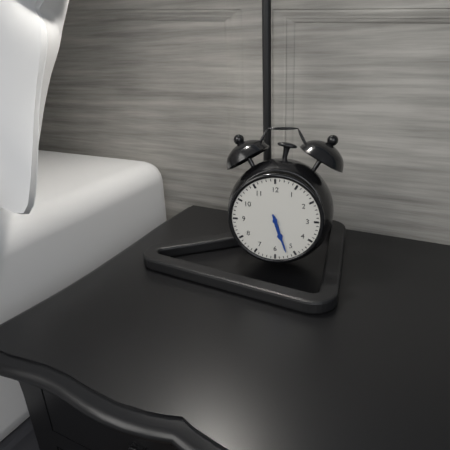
5:27
